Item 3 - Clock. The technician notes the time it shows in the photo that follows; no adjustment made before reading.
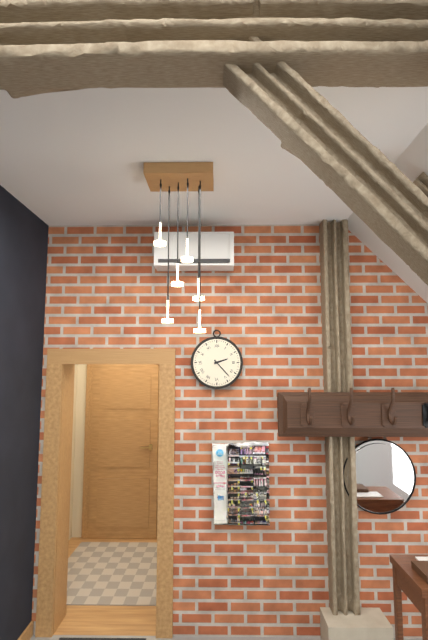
2:23
